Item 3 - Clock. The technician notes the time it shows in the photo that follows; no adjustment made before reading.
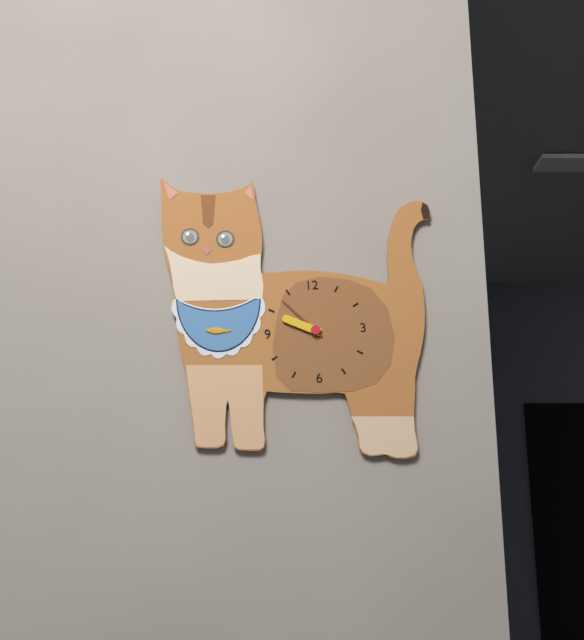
9:53
